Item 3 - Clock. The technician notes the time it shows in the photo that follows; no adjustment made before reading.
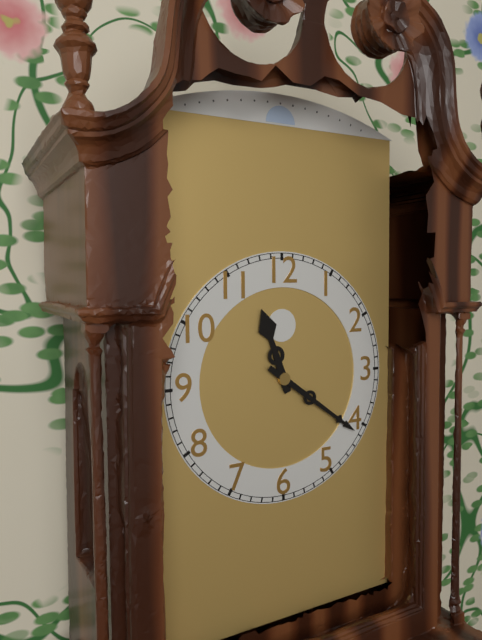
11:21
